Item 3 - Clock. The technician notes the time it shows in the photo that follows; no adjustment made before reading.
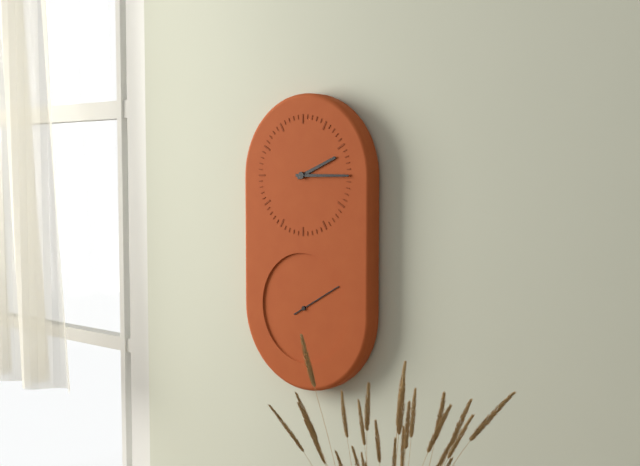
2:15
